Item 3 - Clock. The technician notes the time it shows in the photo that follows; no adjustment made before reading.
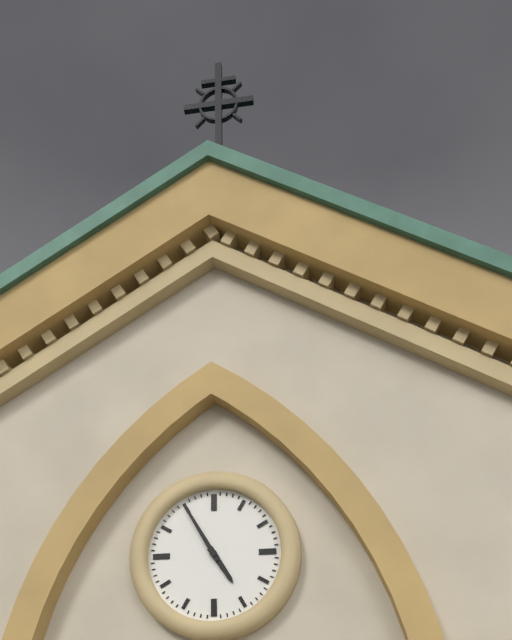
4:55
